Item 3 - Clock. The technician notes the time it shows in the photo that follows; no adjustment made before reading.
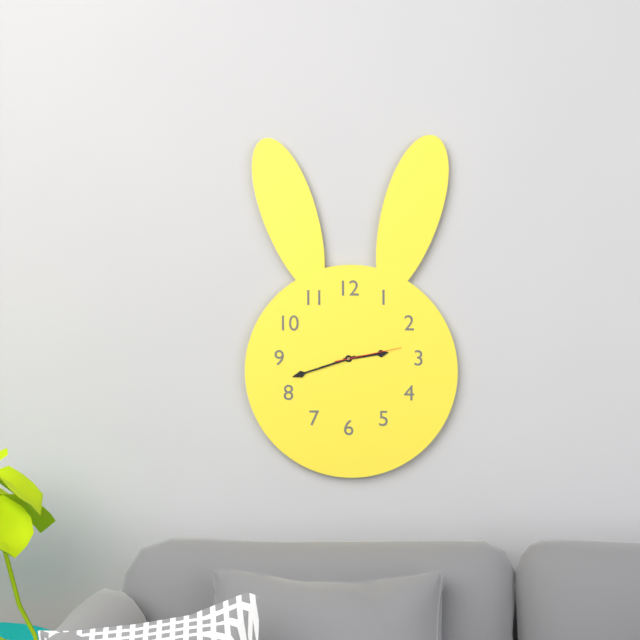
2:42:13
